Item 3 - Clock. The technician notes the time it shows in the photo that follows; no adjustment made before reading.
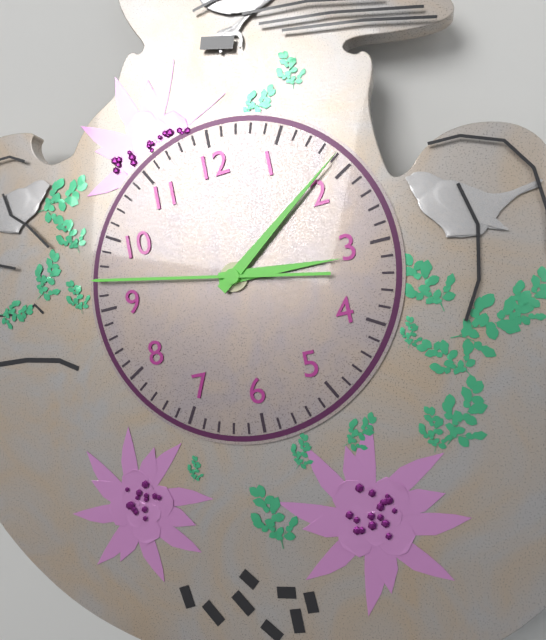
3:09:47
